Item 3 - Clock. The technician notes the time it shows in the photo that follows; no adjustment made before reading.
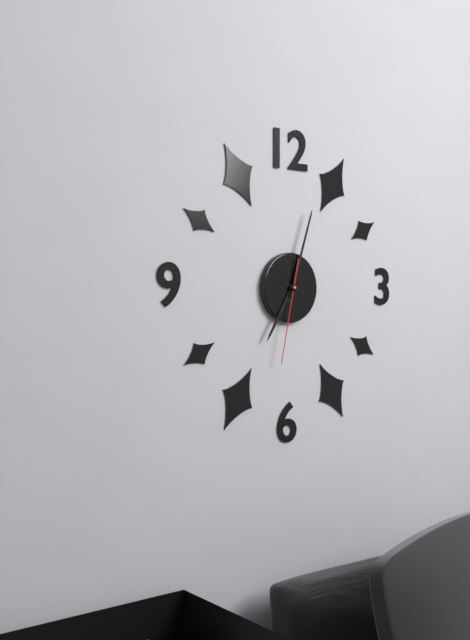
7:03:32
